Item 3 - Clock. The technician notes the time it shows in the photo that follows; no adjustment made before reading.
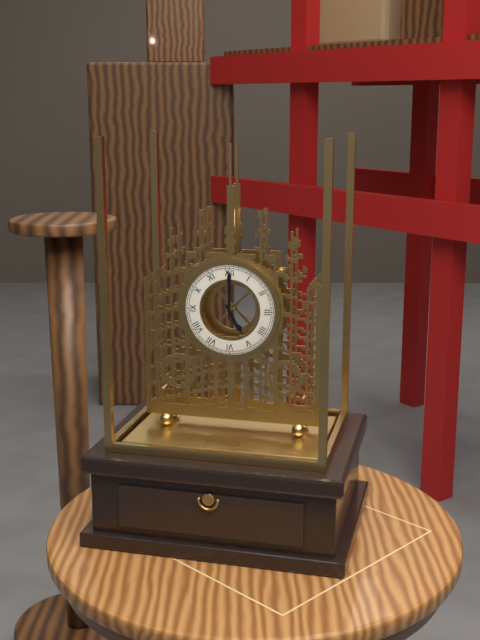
5:00
